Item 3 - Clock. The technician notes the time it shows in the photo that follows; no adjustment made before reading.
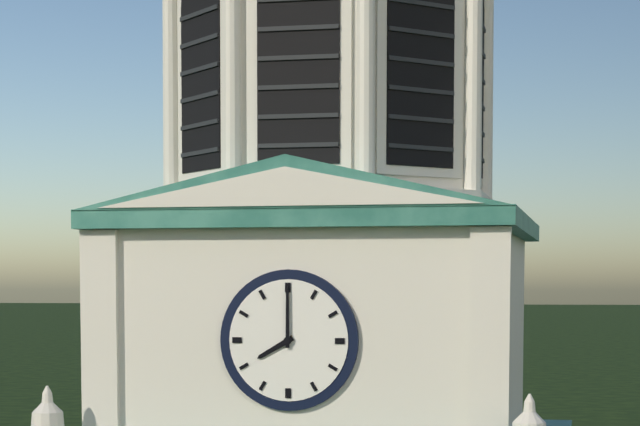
8:00
